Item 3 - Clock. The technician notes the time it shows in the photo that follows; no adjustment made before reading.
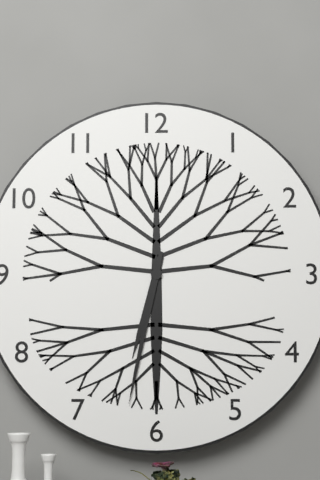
6:32
